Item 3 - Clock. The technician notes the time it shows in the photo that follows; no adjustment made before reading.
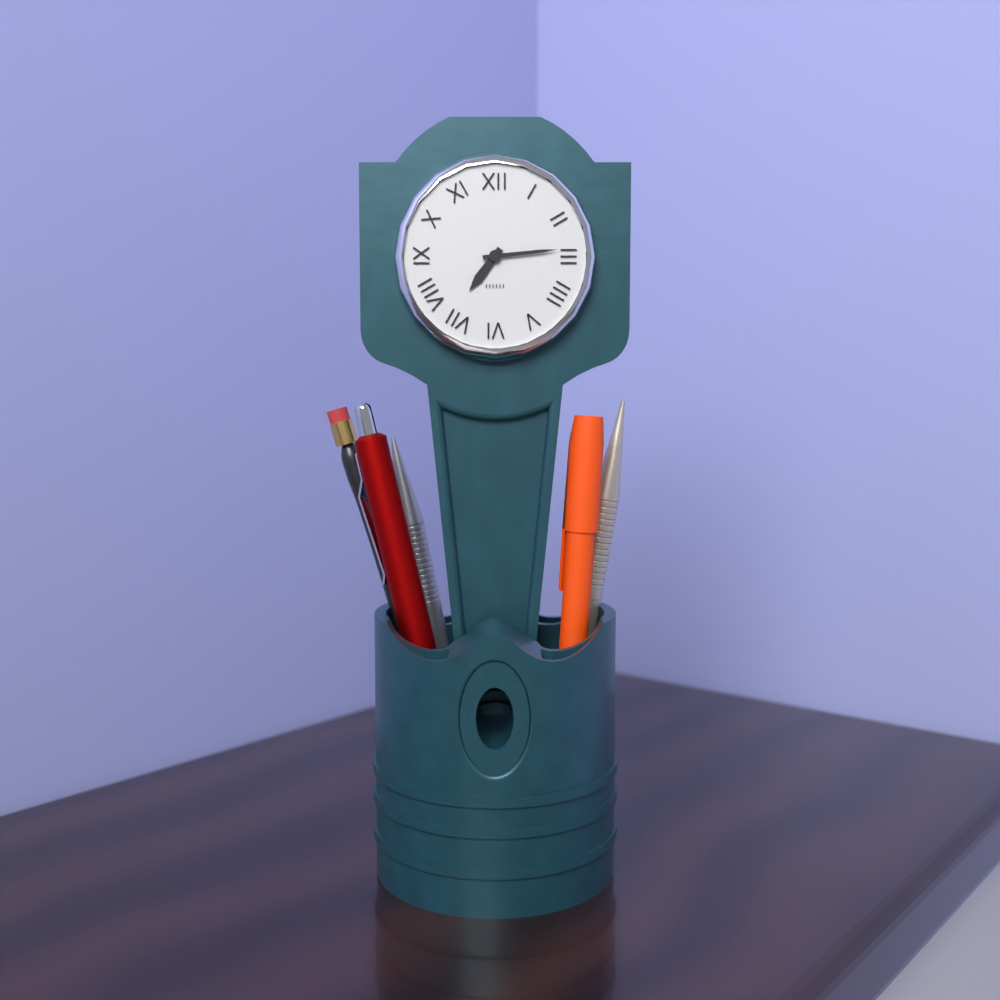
7:14
